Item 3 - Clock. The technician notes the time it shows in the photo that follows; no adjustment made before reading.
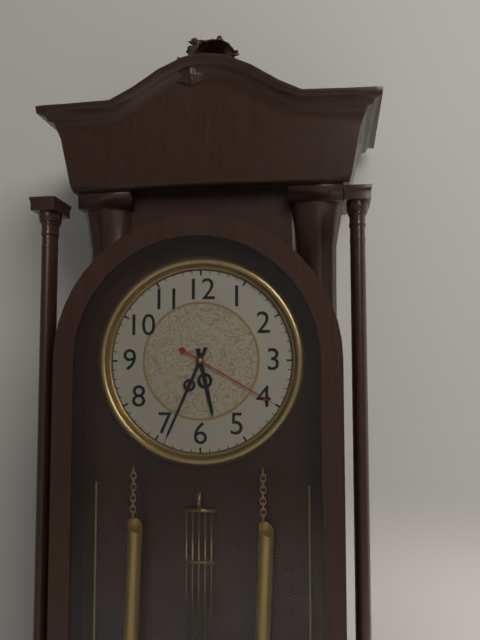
5:34:20
